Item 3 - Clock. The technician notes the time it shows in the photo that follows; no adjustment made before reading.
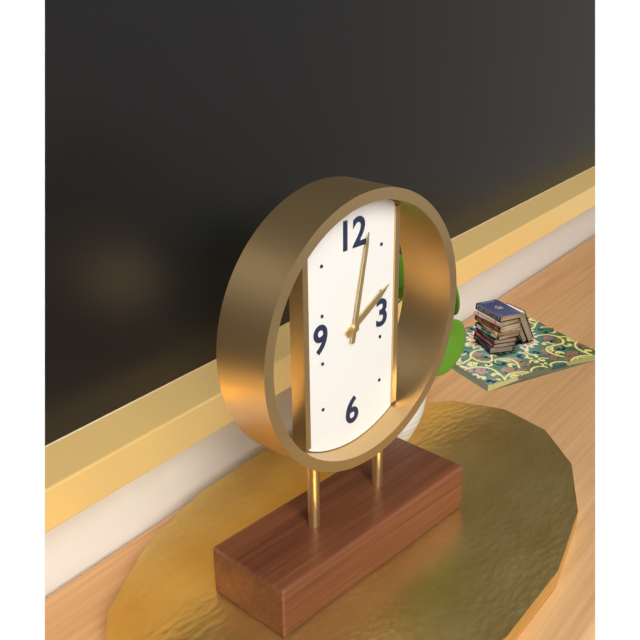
2:02
